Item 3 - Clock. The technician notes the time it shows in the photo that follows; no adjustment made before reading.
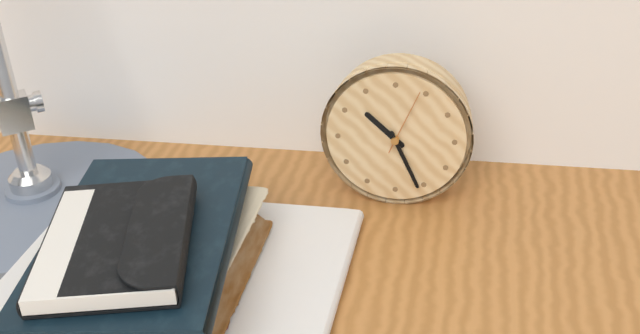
10:26:04
